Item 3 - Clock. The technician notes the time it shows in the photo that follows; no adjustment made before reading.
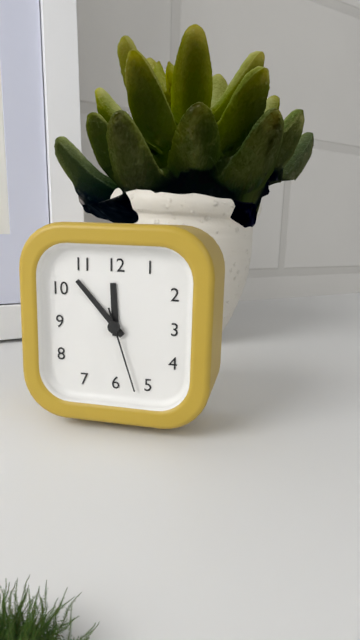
11:53:27
